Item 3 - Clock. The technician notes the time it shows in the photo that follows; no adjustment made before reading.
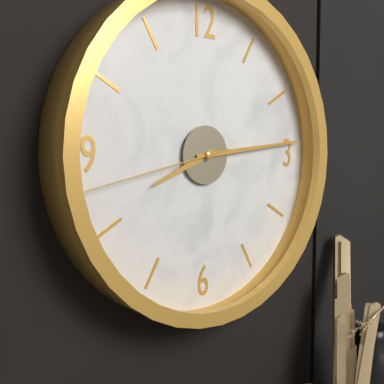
8:14:43
